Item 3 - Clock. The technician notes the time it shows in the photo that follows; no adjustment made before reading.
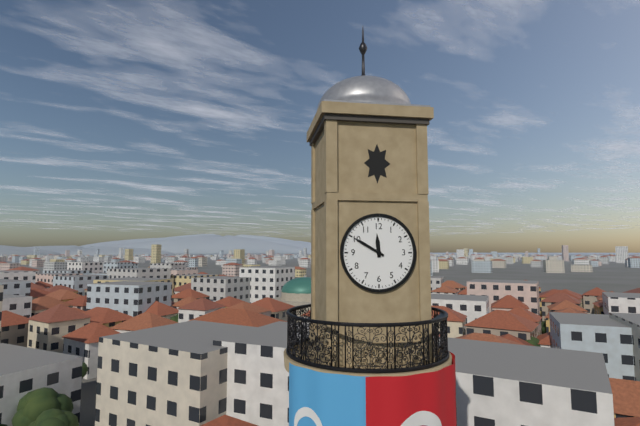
11:50
